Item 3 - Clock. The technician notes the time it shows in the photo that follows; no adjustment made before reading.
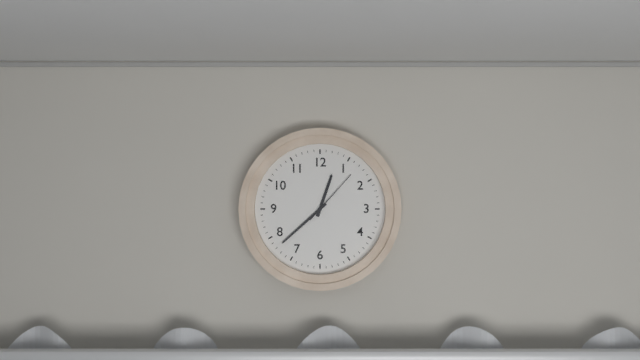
12:38:07
